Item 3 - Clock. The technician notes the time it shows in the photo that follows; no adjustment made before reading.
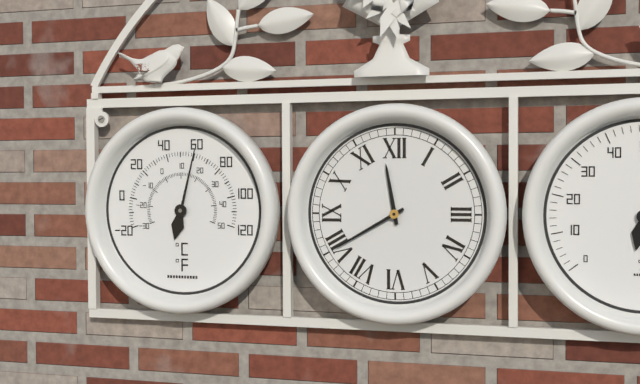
11:40
